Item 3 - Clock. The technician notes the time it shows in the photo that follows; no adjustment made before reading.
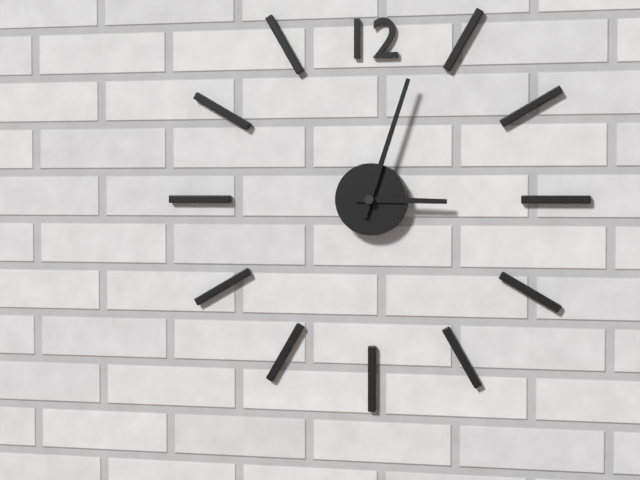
3:03
